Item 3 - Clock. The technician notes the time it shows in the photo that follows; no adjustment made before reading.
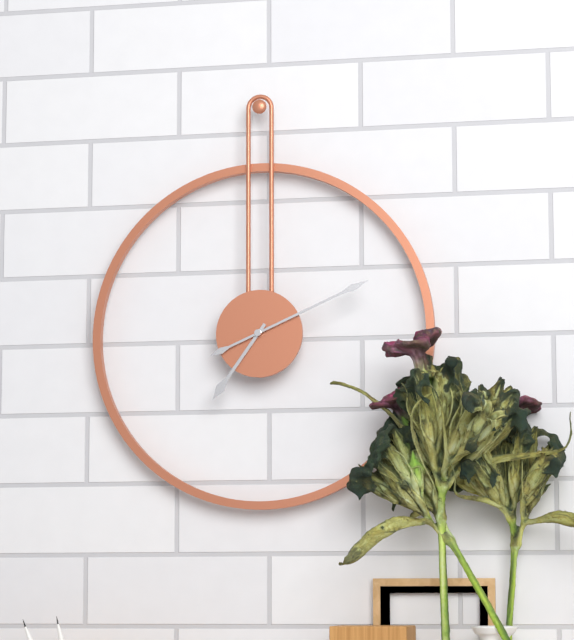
7:11
